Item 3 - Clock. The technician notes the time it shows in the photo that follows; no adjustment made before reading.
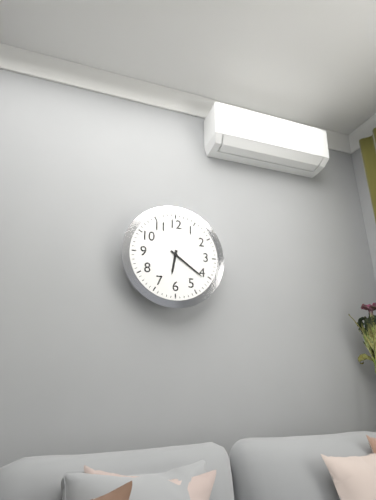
6:21
